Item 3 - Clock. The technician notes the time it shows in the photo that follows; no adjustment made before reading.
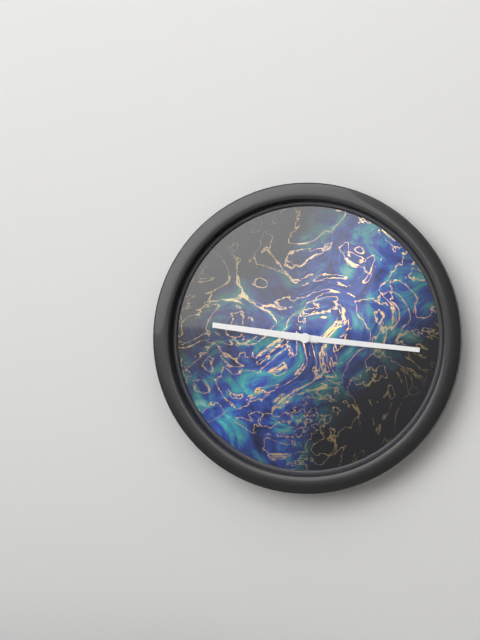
9:16
